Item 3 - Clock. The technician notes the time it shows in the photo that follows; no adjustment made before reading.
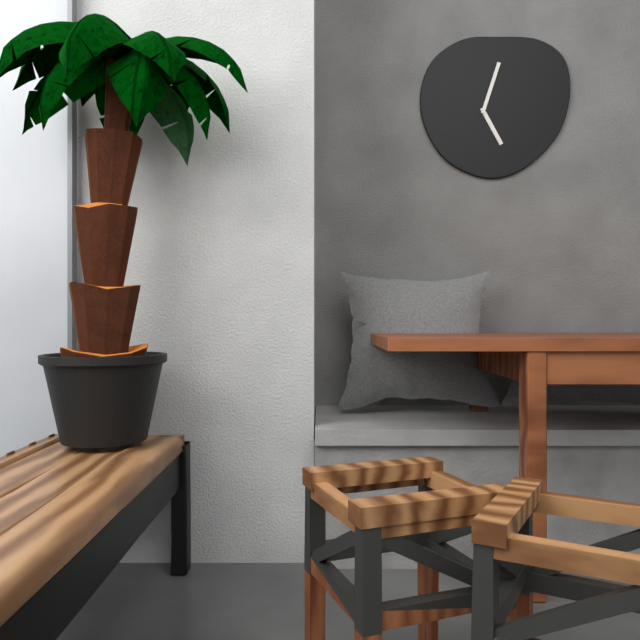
5:03
